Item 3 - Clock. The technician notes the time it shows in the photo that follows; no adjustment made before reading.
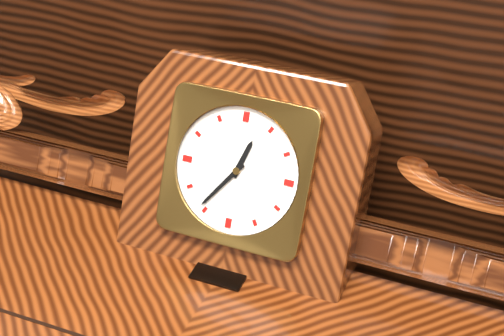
12:36
